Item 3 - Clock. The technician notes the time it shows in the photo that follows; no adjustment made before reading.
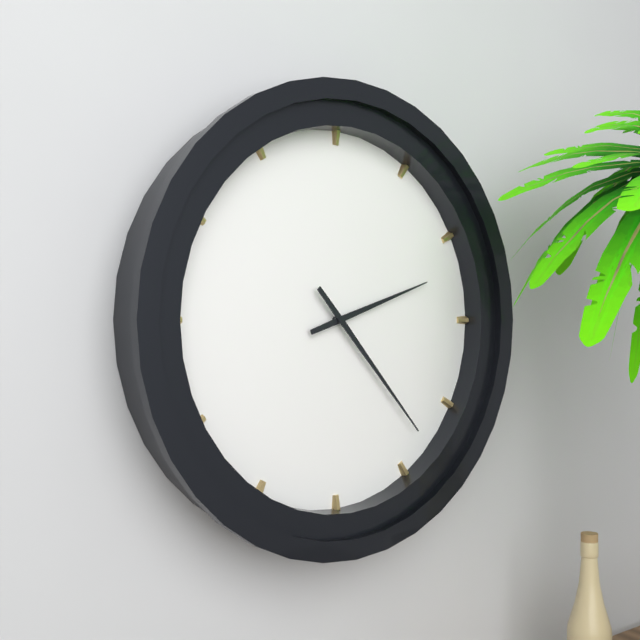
2:23
